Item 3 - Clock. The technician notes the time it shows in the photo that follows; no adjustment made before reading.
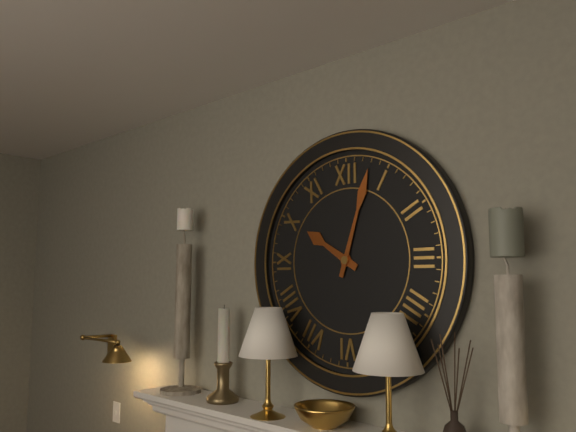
10:03
